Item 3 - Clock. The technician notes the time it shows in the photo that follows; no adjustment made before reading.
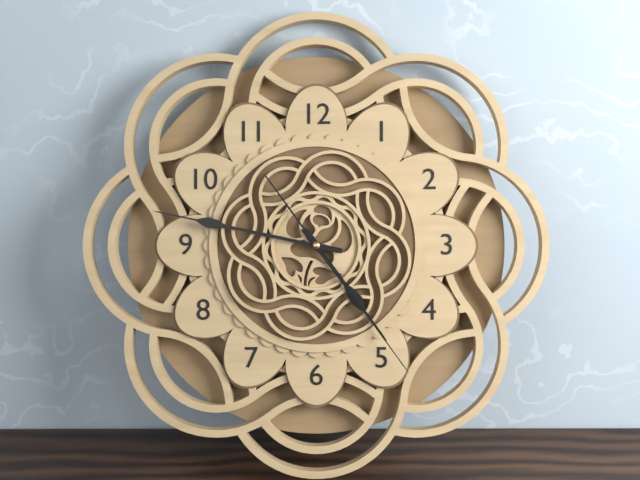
4:47:24
